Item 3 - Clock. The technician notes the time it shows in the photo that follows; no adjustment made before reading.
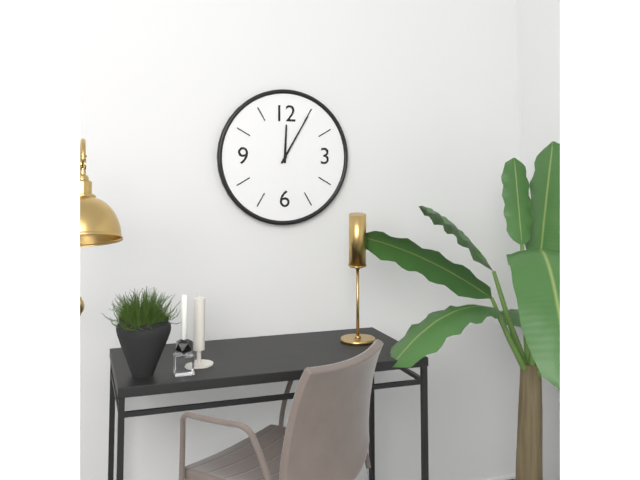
12:05
